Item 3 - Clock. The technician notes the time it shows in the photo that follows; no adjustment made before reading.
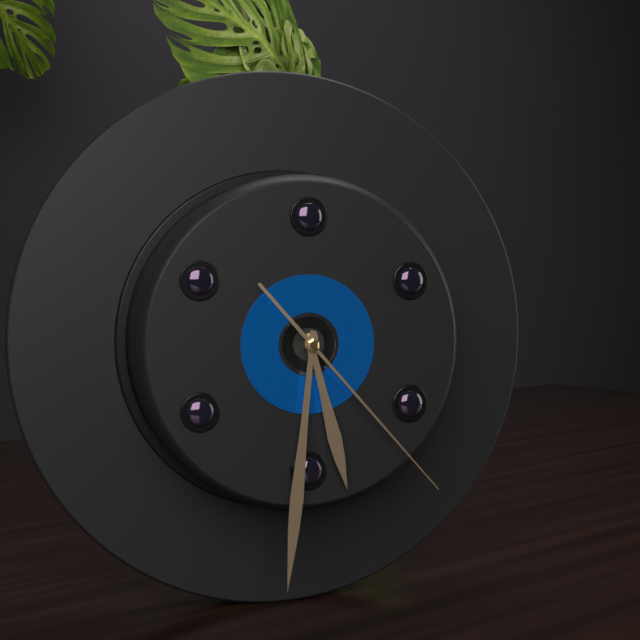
5:31:23
